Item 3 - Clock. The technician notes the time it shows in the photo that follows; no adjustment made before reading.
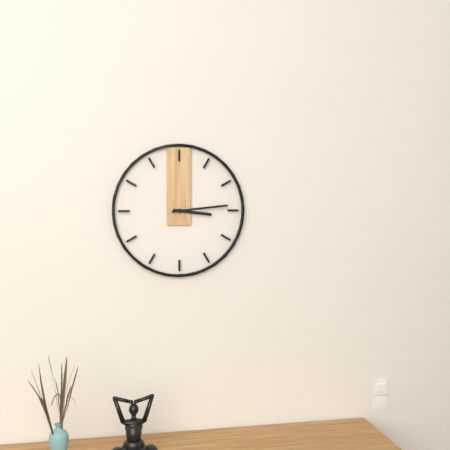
3:14
